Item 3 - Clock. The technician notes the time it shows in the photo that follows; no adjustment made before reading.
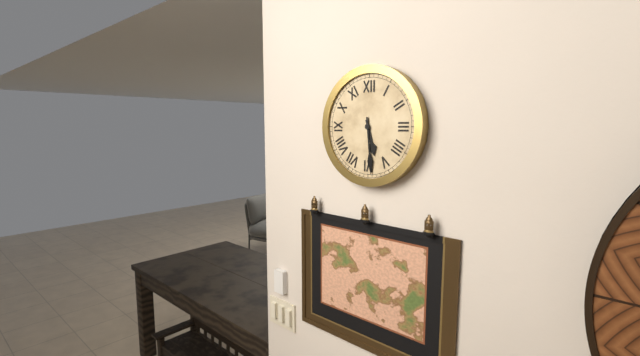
5:29
